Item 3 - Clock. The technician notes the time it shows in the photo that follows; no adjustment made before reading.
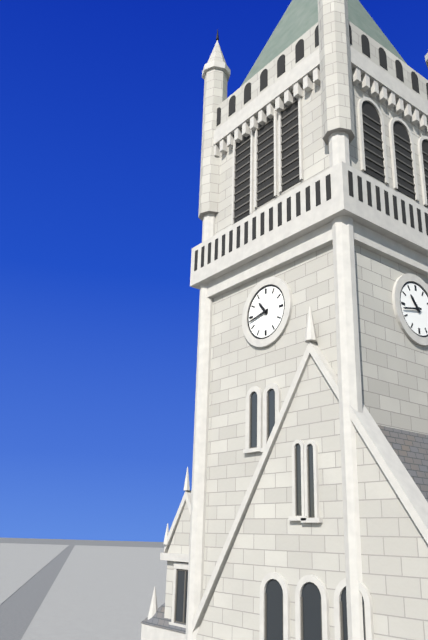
10:43
